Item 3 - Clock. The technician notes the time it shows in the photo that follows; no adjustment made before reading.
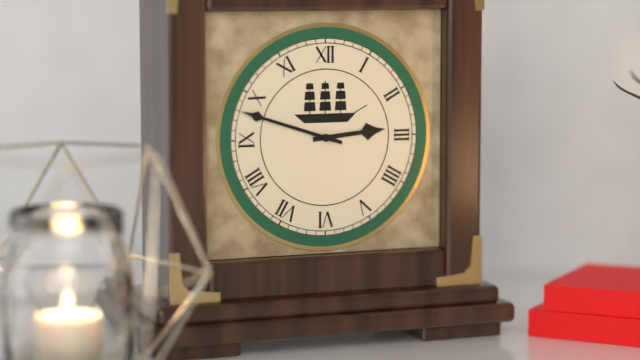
2:48
